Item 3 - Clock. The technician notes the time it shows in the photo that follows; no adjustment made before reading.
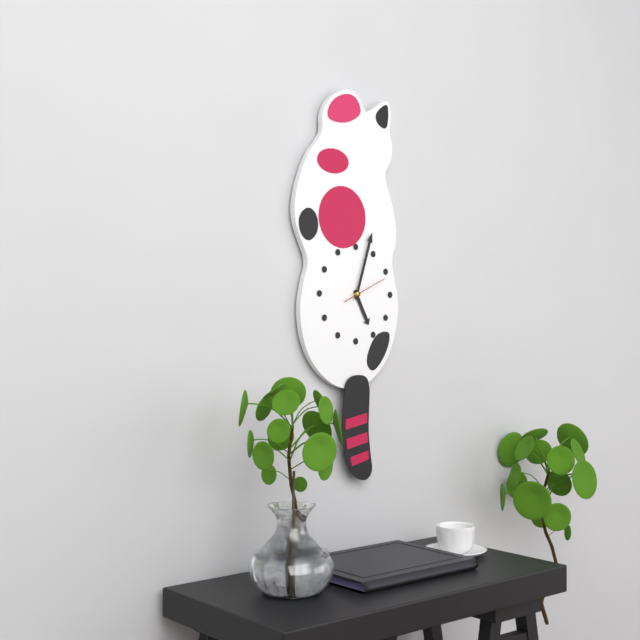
5:03:11
